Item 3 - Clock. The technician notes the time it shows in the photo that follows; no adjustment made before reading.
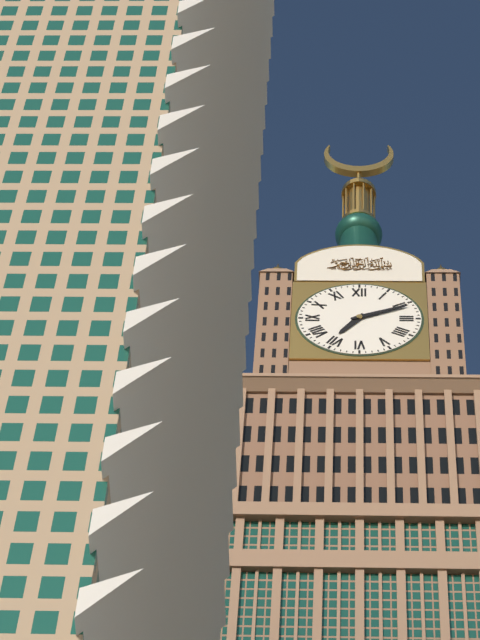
7:11
